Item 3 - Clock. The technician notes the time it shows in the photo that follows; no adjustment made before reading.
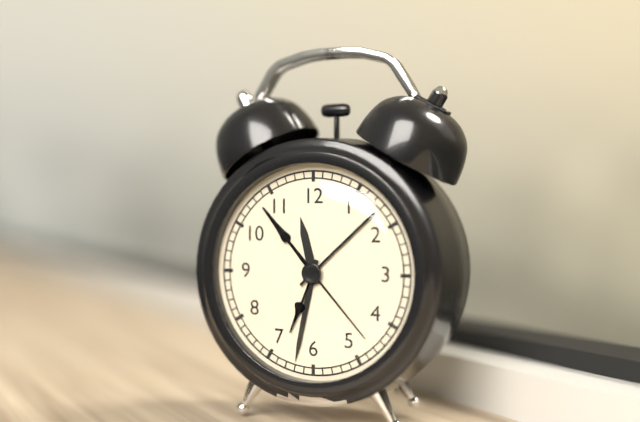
11:32:23
